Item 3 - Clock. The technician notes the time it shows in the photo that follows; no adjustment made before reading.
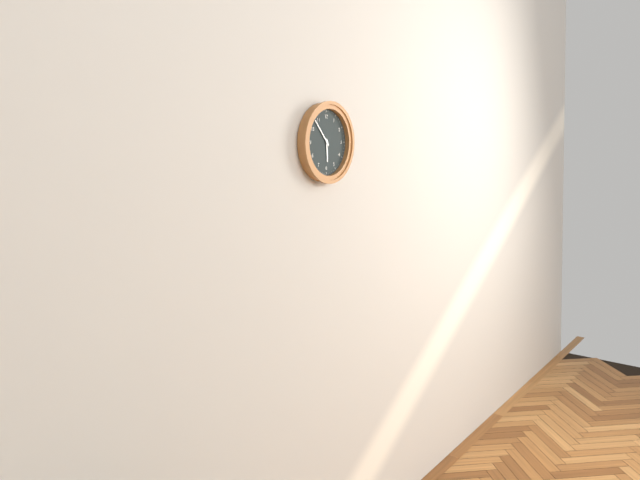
5:53
